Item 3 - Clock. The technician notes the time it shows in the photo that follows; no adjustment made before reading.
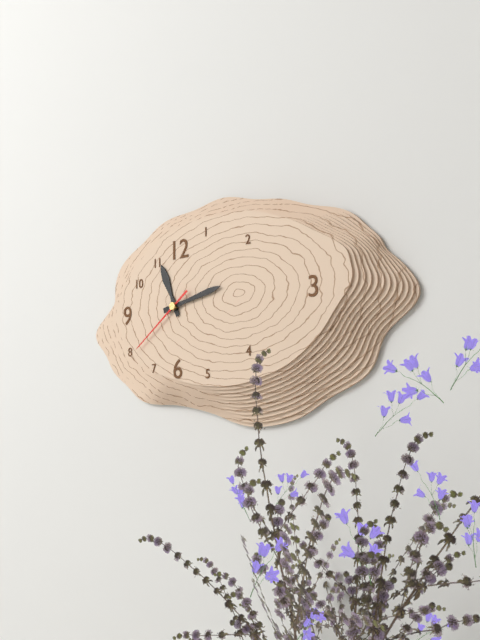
11:13:39
